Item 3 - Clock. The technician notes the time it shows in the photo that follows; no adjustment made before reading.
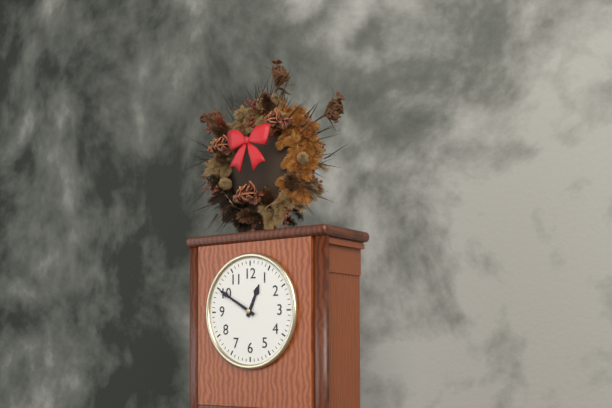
12:50
